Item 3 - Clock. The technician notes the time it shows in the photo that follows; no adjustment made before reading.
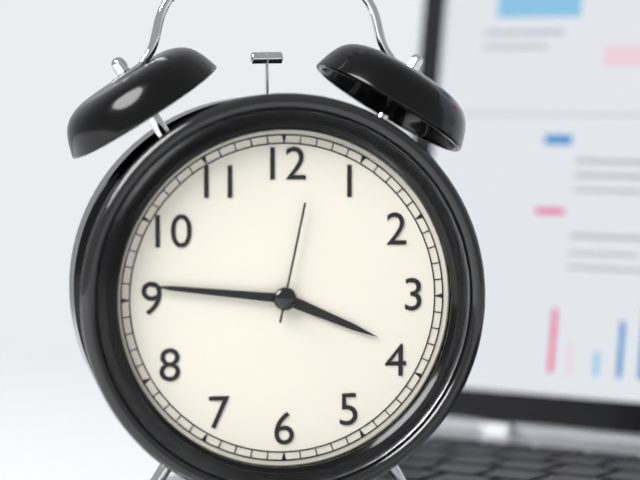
3:46:02
